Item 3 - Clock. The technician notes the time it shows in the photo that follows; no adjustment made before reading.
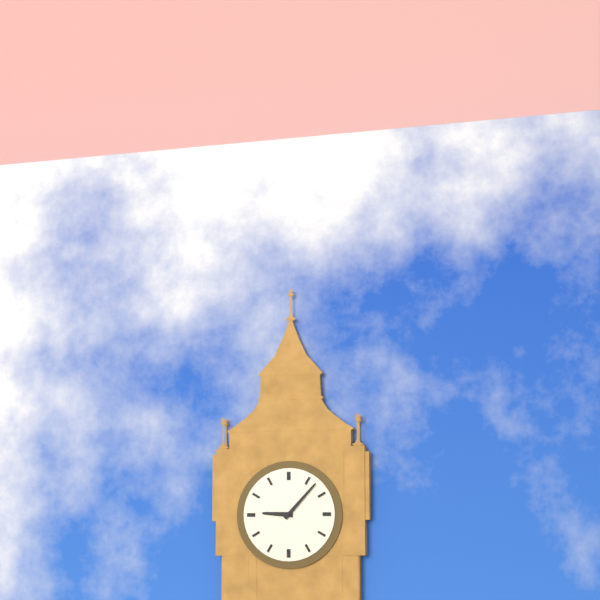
9:07
